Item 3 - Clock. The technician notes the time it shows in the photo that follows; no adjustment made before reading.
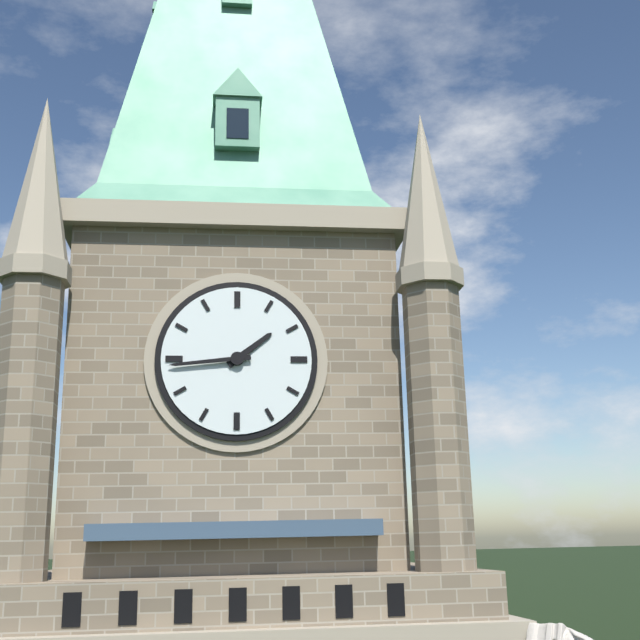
1:44
